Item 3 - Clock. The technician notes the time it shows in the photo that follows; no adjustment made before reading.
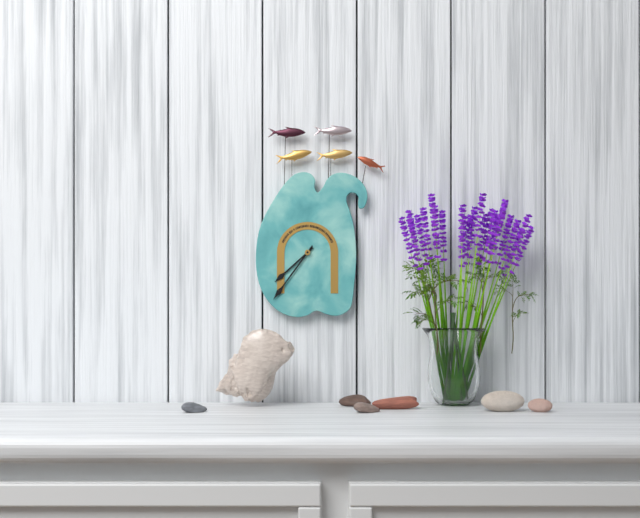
7:36
